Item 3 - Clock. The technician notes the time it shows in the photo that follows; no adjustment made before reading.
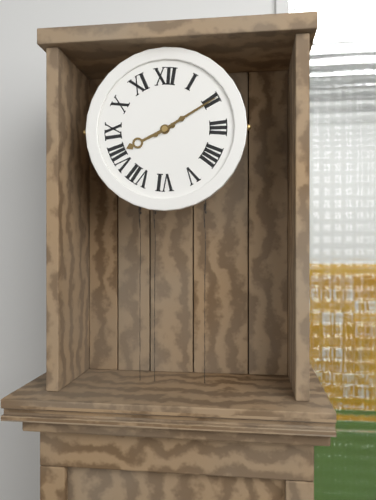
8:10
